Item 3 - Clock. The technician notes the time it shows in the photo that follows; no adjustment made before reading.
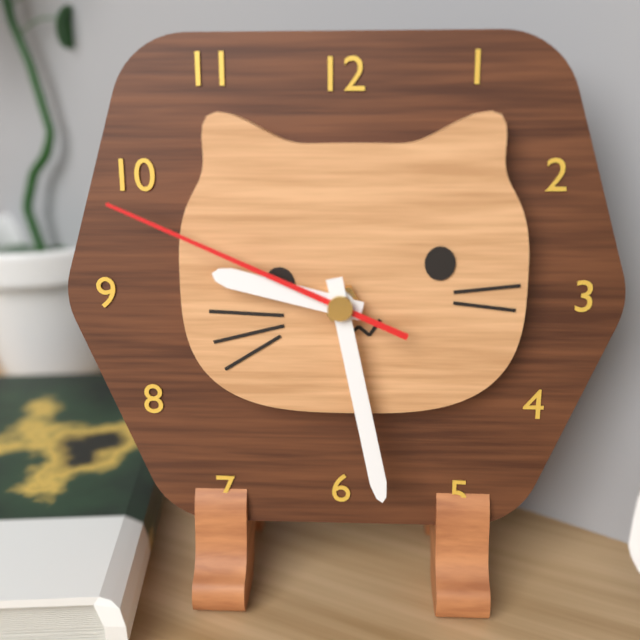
9:28:49
